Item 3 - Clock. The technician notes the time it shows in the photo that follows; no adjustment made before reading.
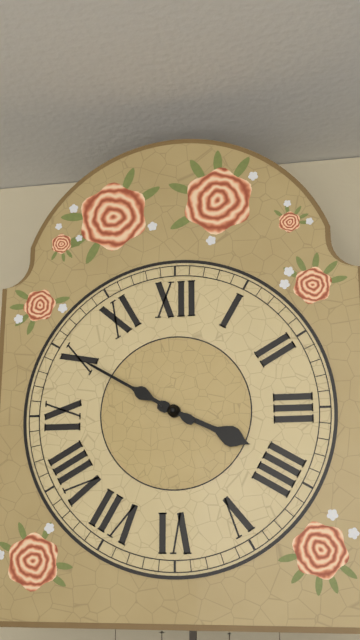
3:50
